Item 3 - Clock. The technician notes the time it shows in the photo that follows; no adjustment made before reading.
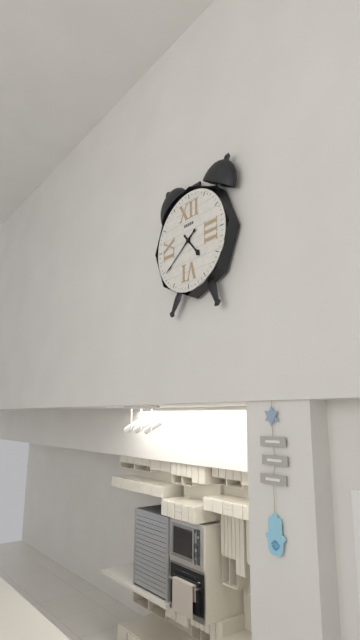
4:39
